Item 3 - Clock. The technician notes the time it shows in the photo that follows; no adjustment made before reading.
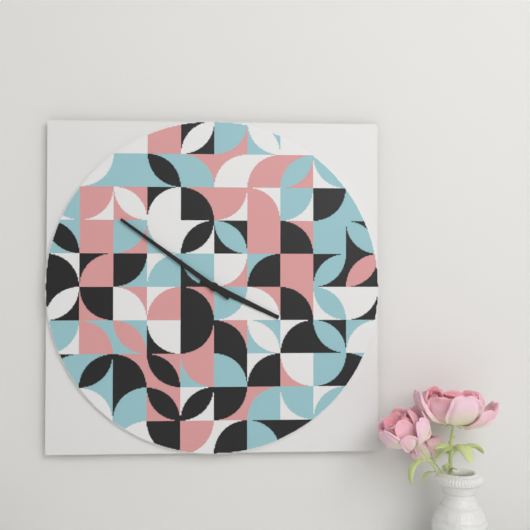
3:51
